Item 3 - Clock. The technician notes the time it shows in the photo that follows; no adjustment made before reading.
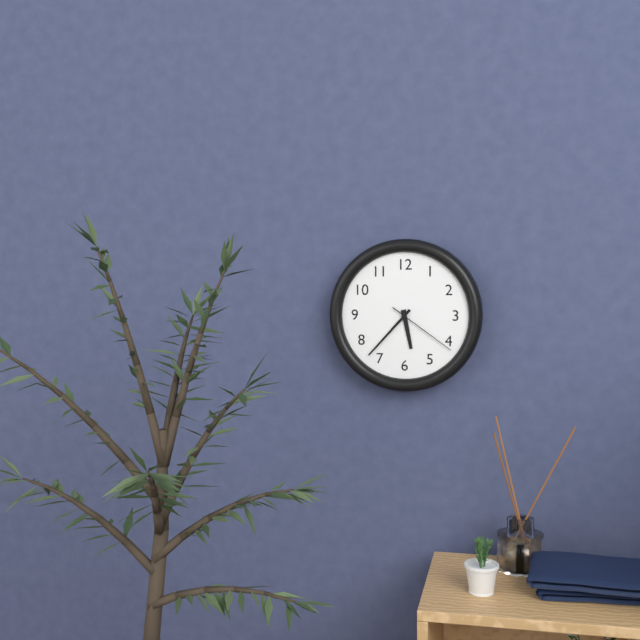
5:37:21
